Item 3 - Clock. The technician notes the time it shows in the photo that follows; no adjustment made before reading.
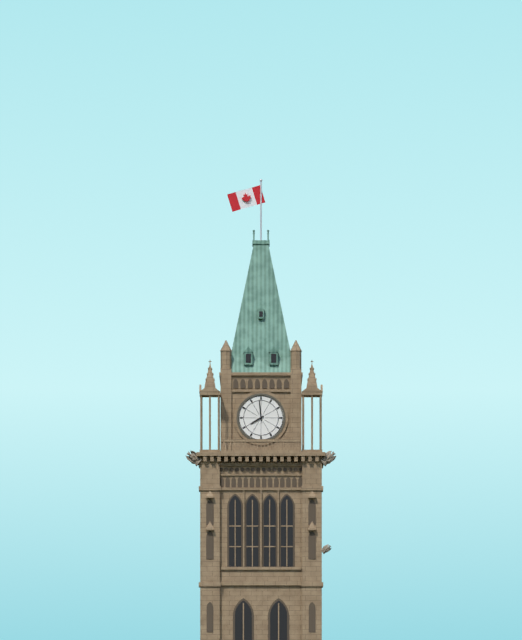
7:59
